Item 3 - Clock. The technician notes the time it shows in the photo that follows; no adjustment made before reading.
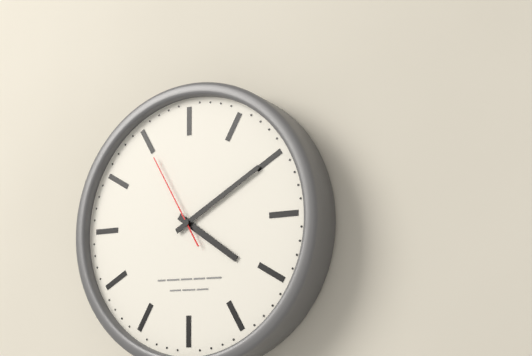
4:10:55
